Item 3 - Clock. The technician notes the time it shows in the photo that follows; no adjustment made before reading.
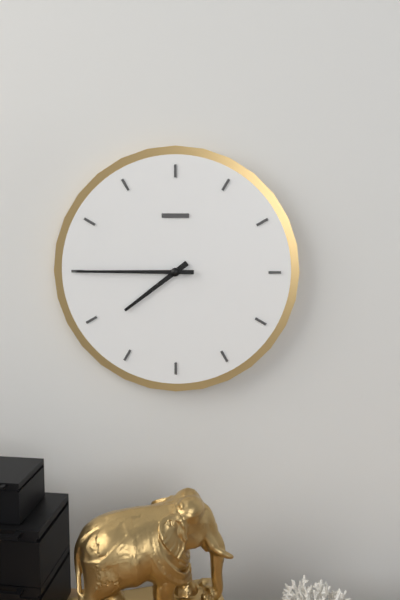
7:45
